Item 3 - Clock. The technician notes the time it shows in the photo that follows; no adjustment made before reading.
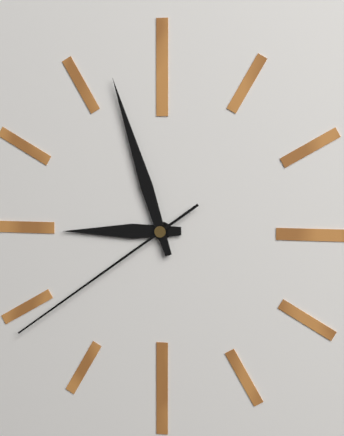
8:57:39
